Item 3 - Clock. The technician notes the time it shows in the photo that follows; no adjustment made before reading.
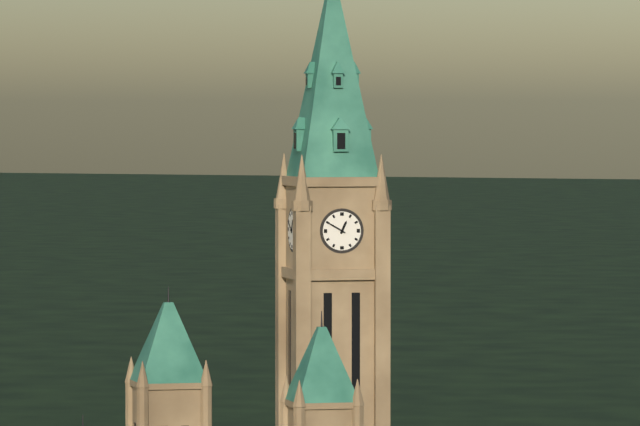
12:50
